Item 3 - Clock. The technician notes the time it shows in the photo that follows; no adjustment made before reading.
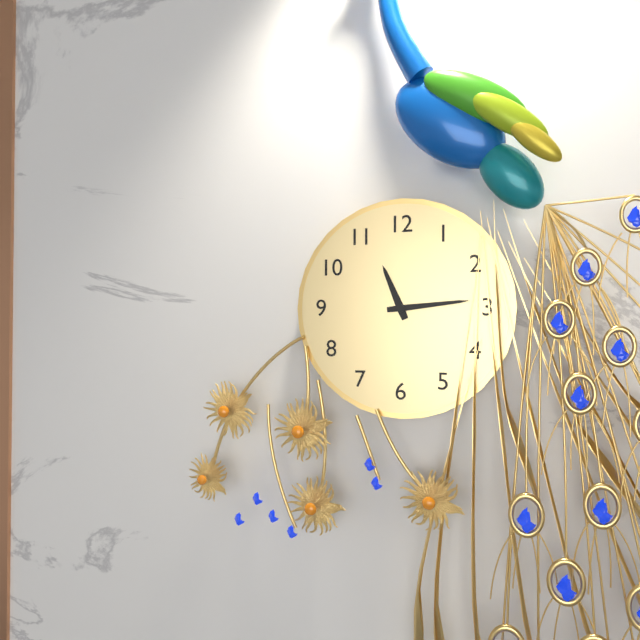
11:14
